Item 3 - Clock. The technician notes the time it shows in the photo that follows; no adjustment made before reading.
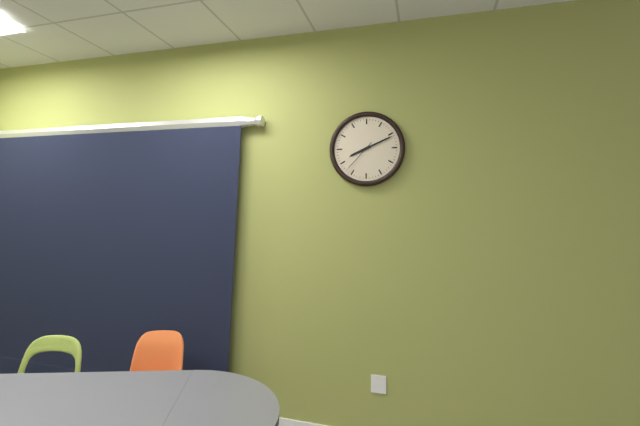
8:11
